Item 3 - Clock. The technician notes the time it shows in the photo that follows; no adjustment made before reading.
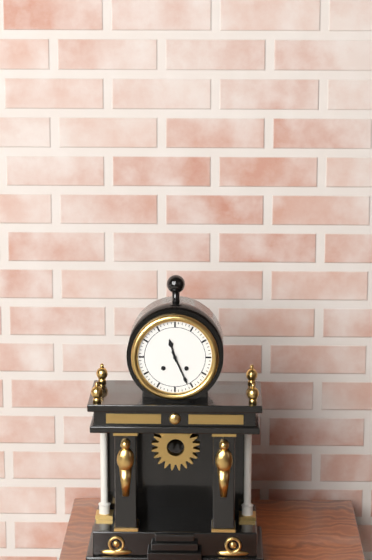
11:26
